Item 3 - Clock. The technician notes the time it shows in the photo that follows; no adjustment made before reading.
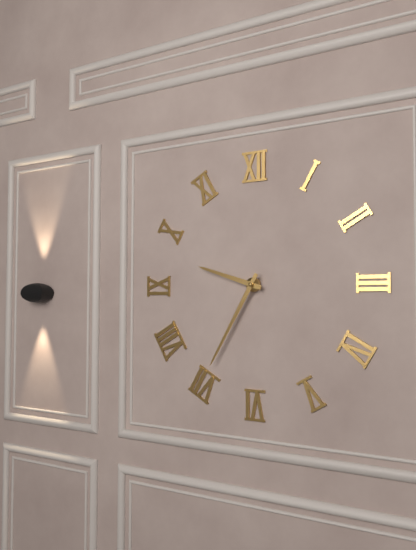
9:35
